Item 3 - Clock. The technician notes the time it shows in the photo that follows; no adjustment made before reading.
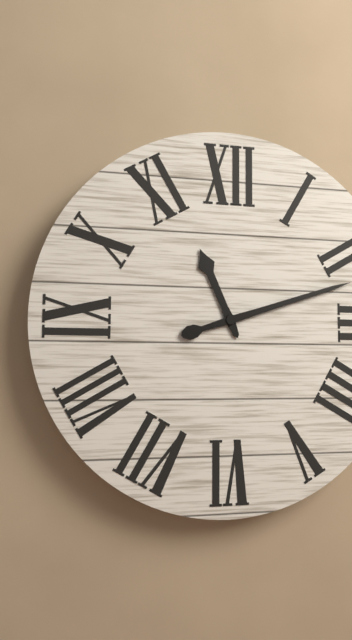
11:12
